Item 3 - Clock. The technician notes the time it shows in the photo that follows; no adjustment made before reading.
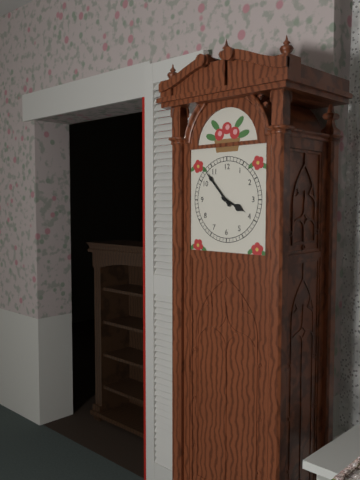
3:53
